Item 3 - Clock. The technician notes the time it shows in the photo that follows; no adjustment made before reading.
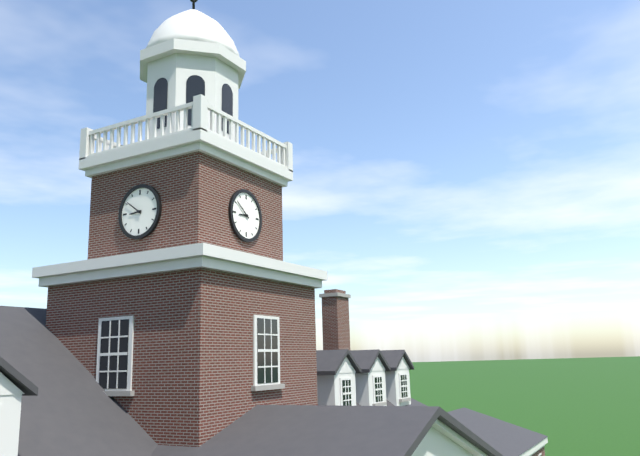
8:51
